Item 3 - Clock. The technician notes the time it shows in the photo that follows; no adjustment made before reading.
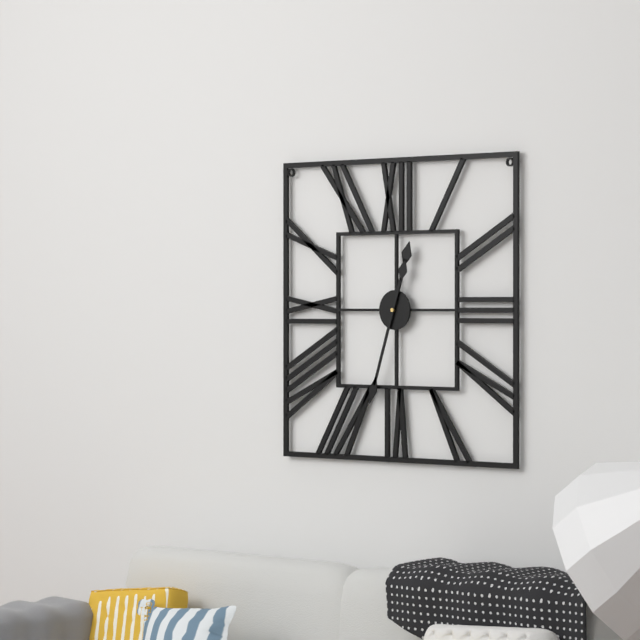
12:33
